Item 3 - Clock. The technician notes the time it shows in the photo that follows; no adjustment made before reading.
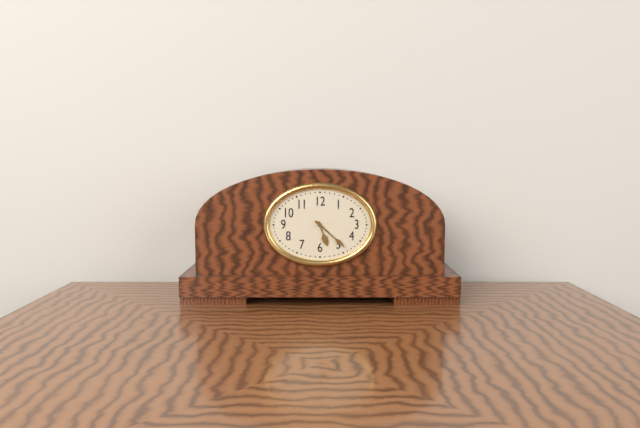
5:22
